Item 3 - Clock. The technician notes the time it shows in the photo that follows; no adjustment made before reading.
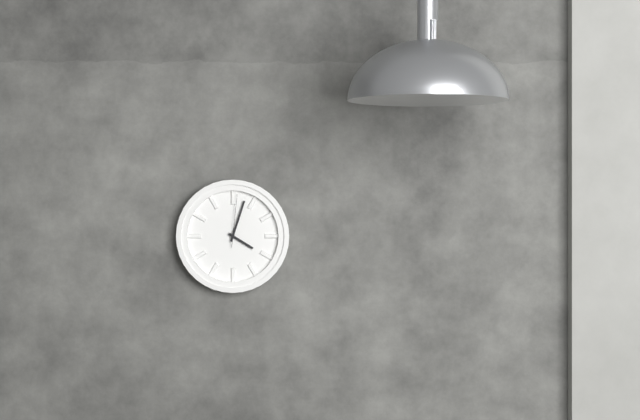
4:03:01
